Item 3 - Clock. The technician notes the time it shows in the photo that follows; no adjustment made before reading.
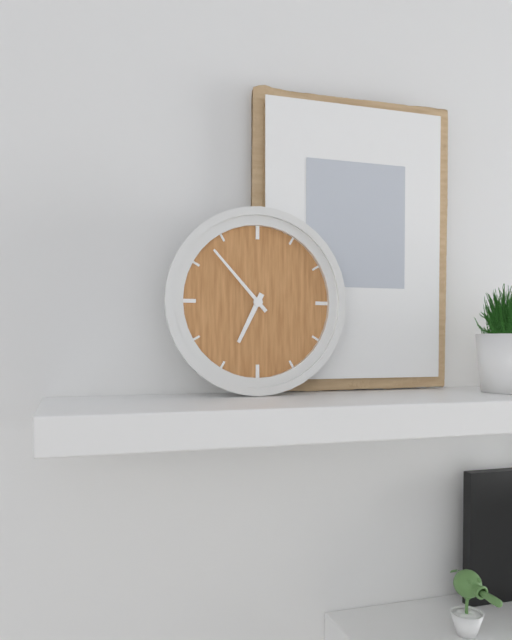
6:53
